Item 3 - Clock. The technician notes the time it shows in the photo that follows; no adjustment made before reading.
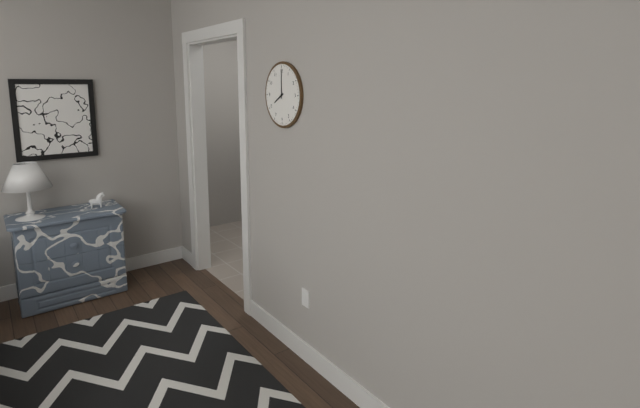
8:00
